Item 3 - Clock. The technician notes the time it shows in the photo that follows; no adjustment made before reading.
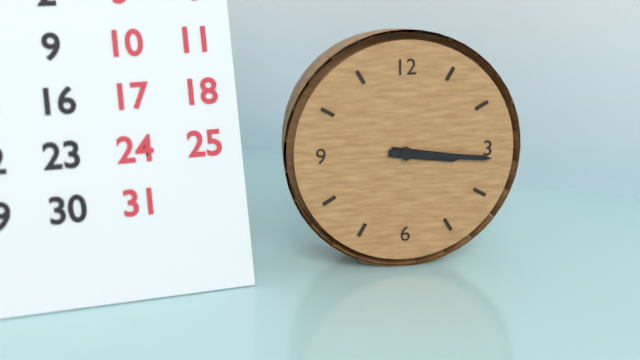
3:16
